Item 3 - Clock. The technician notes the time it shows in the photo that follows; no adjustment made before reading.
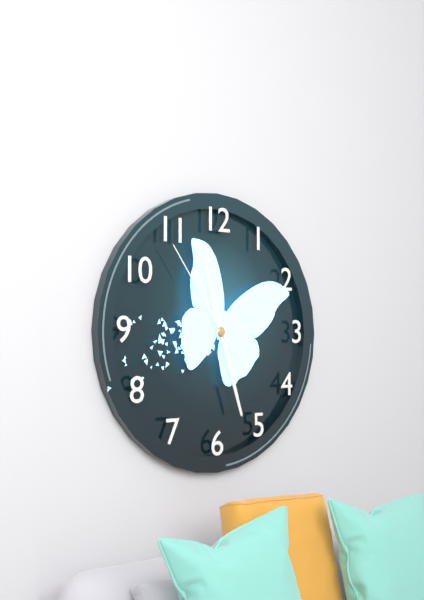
11:27:54
